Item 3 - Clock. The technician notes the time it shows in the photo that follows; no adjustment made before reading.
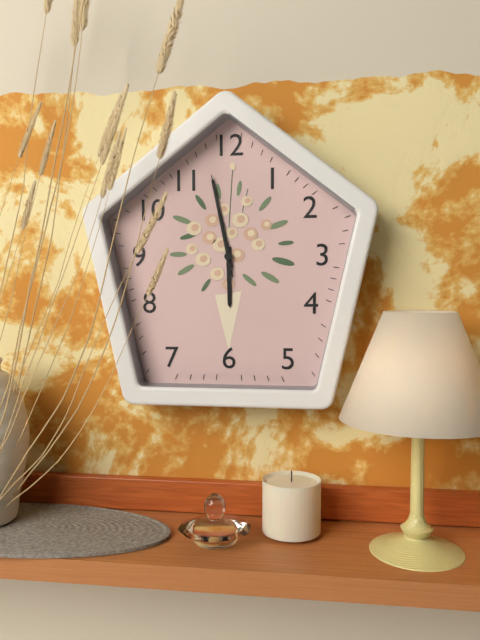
5:58:58
